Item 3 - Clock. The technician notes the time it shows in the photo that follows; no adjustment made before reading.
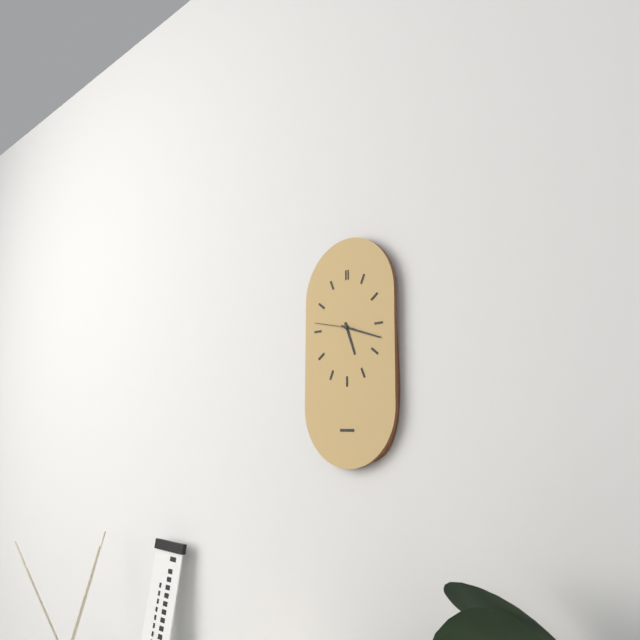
5:18
